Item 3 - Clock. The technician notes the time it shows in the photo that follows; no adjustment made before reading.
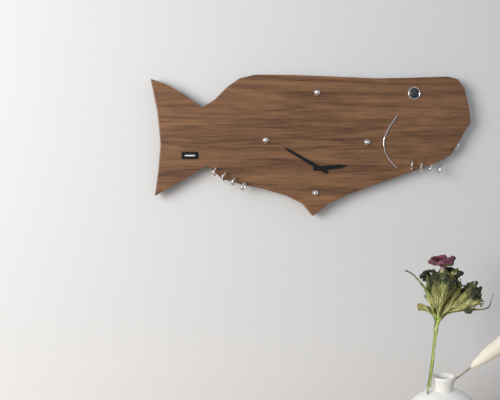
2:50
